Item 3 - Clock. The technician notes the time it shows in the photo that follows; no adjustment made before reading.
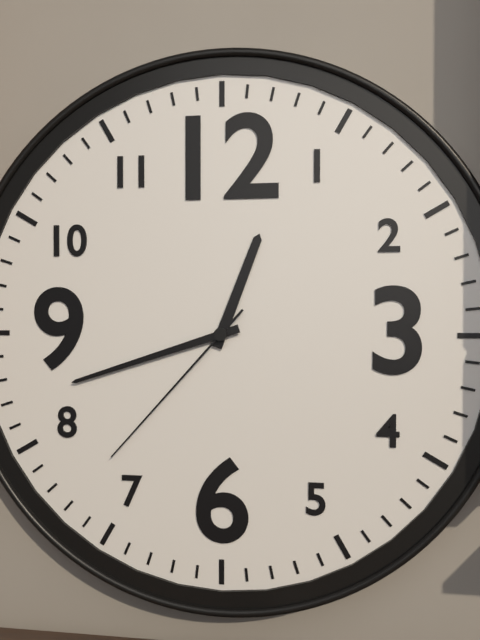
12:42:37
